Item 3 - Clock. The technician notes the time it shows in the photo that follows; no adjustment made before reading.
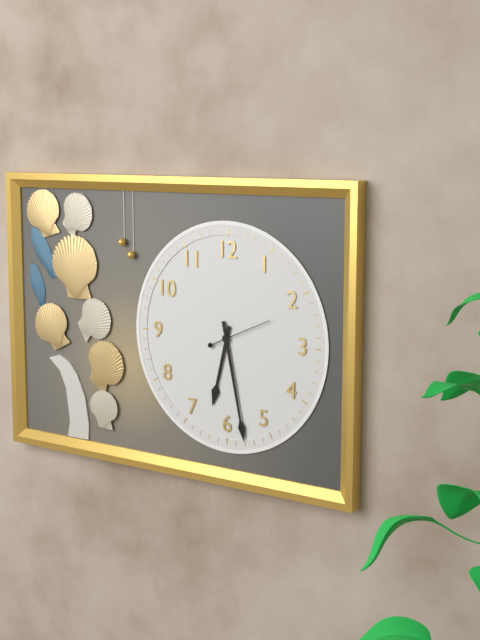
6:28:11
